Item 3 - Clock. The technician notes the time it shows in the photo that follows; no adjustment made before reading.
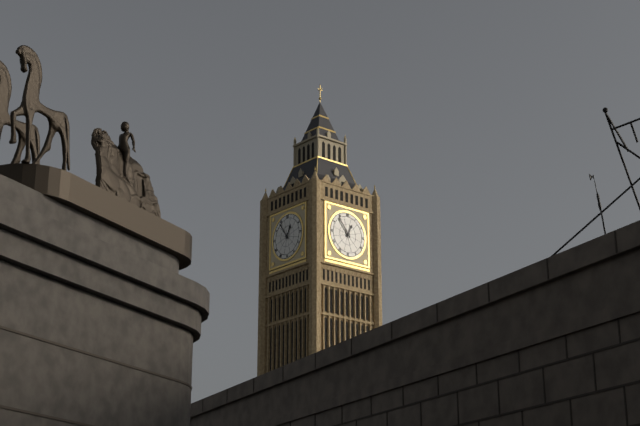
12:54
